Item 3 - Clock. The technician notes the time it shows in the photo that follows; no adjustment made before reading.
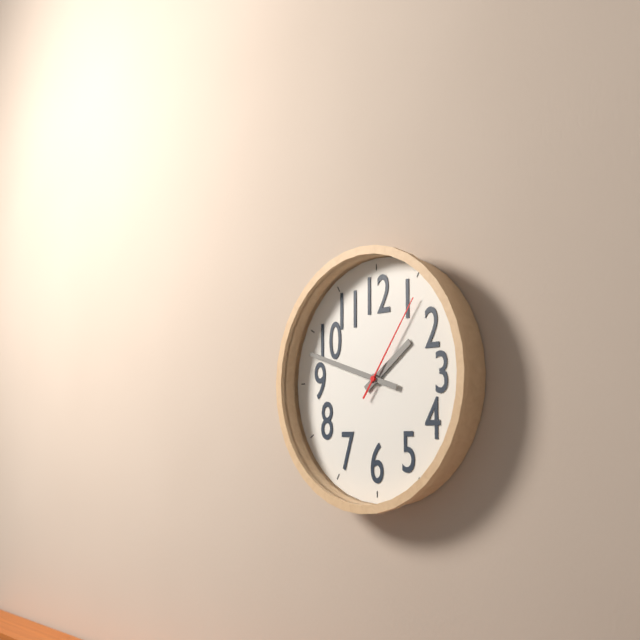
1:48:06
